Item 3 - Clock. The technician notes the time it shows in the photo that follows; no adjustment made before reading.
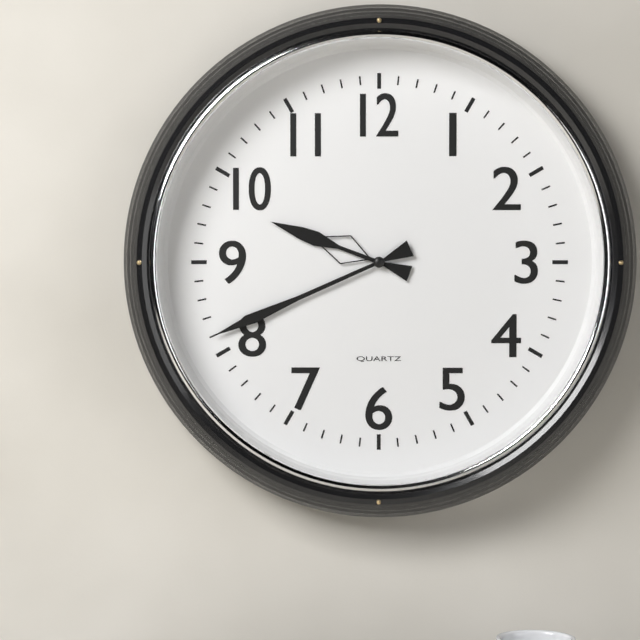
9:41
